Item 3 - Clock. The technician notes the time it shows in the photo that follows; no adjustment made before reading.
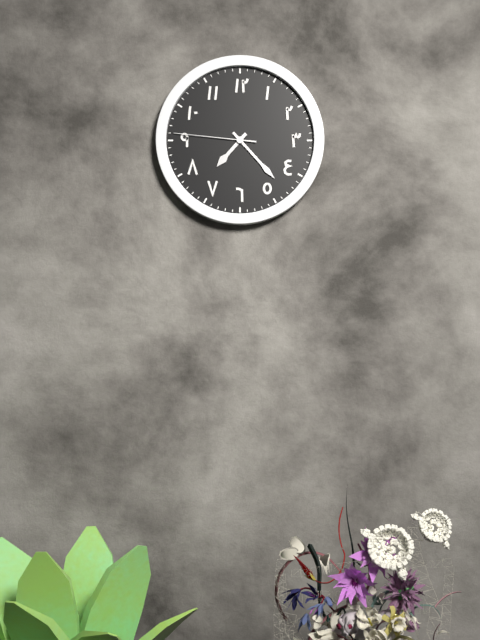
7:23:46
